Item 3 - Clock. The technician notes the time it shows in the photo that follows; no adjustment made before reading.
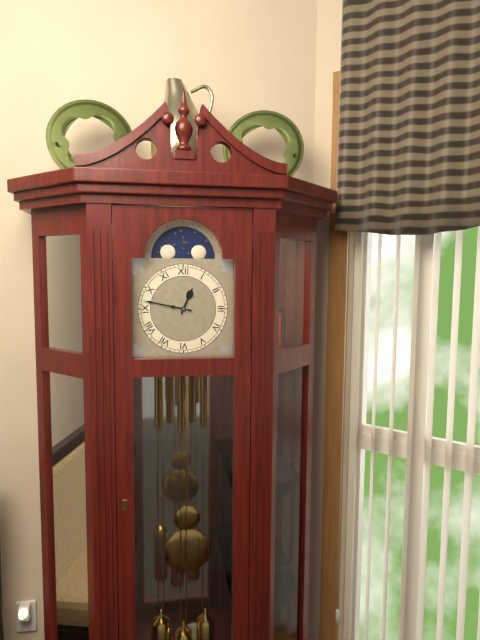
12:47
